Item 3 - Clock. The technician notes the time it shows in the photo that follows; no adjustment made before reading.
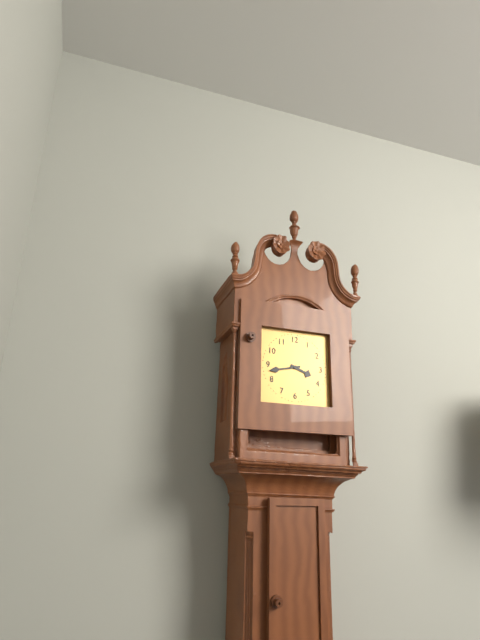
3:43
